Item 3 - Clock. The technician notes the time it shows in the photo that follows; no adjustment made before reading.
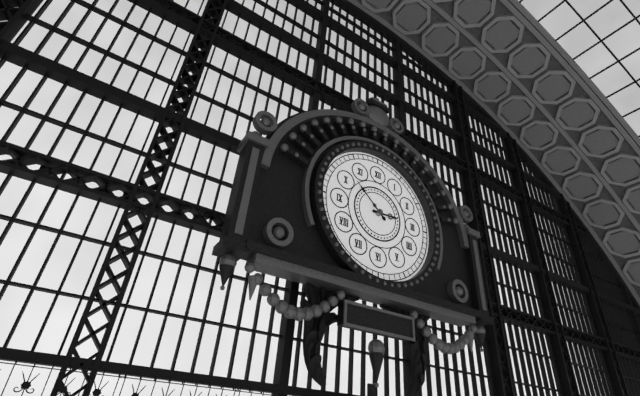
2:52
